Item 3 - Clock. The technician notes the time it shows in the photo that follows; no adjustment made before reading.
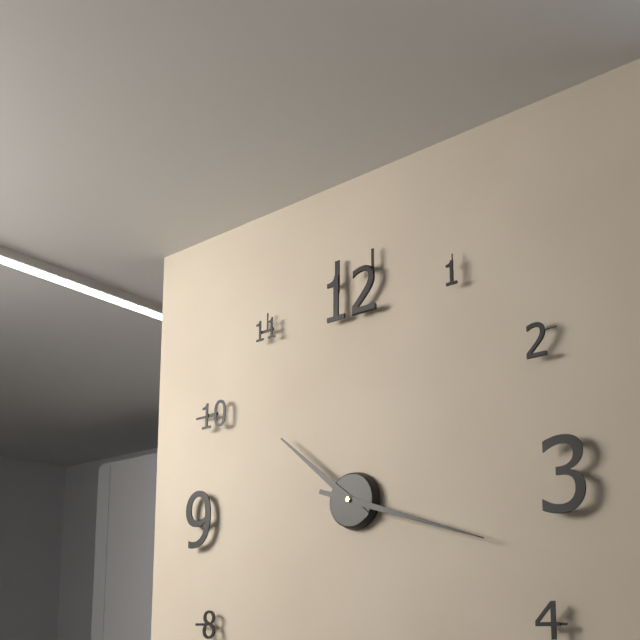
10:18
